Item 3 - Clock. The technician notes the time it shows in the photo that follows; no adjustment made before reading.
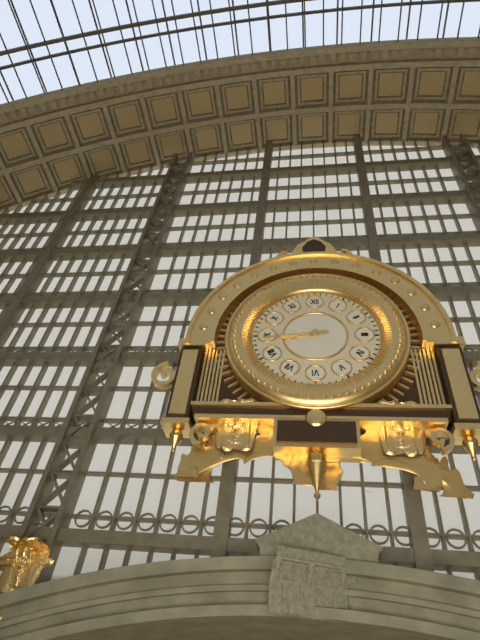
8:44
